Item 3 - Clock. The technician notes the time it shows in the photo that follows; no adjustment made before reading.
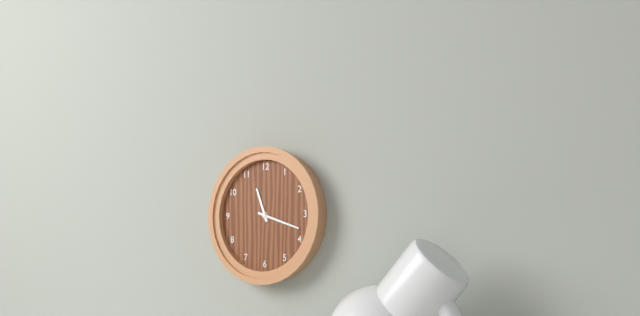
11:18
